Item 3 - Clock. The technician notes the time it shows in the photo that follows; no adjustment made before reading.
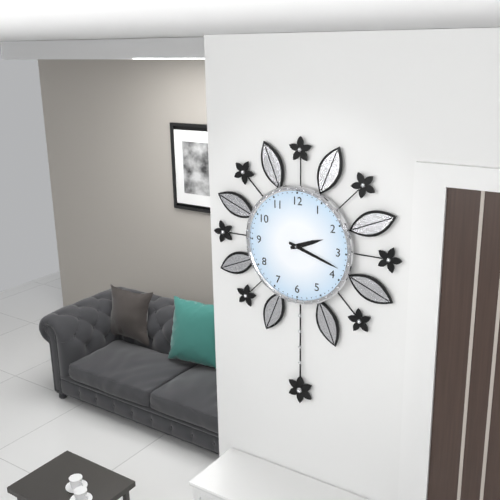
2:18
